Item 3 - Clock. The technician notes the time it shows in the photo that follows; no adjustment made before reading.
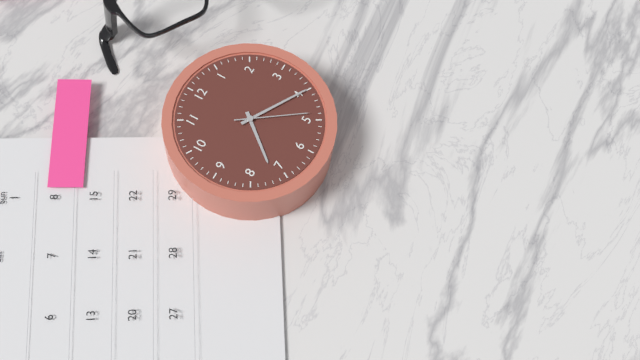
7:20:24
